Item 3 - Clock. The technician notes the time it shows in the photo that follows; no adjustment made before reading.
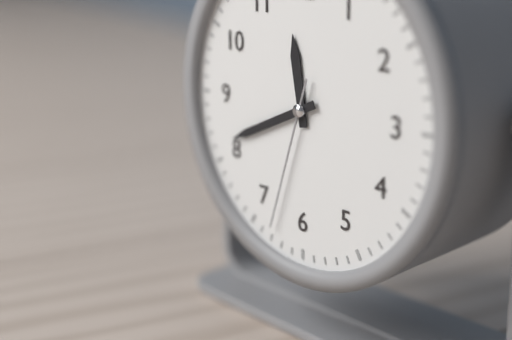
11:41:33
